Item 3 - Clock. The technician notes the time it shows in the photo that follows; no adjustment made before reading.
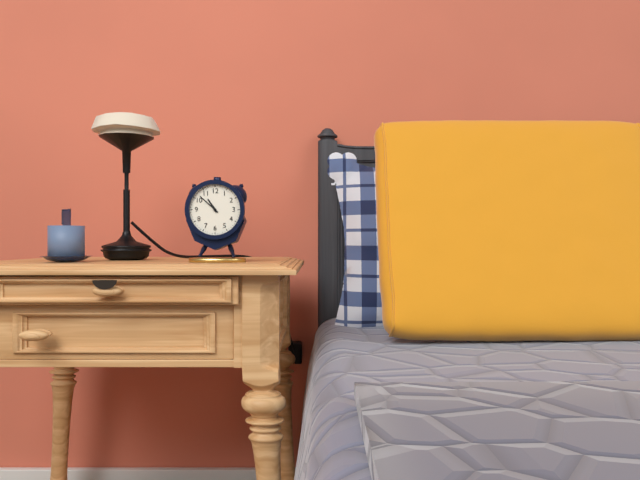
10:52
